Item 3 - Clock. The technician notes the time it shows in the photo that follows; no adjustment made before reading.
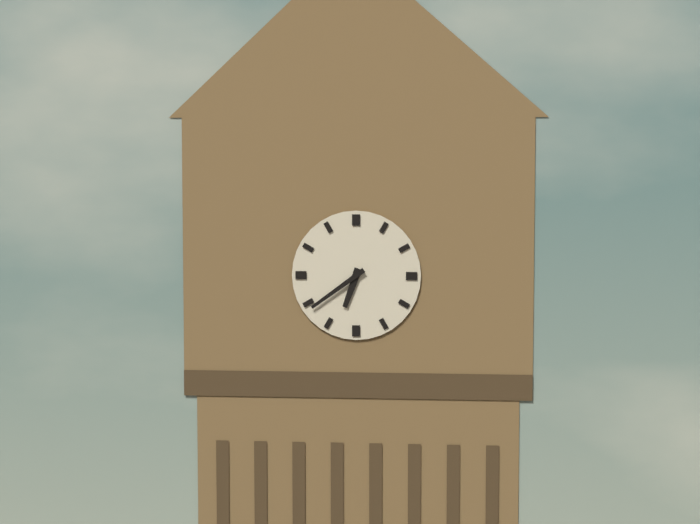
6:39
